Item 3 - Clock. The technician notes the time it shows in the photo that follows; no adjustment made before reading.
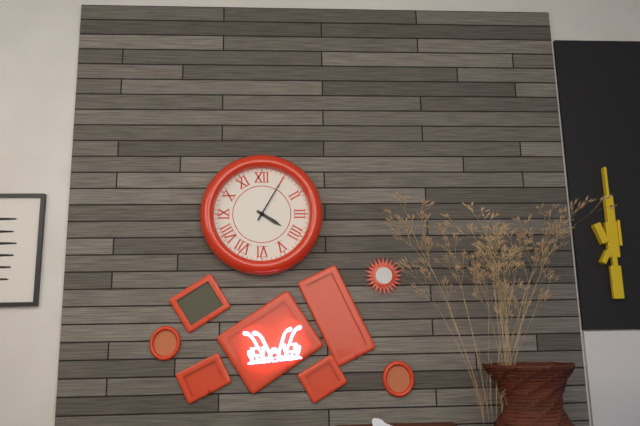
4:05
